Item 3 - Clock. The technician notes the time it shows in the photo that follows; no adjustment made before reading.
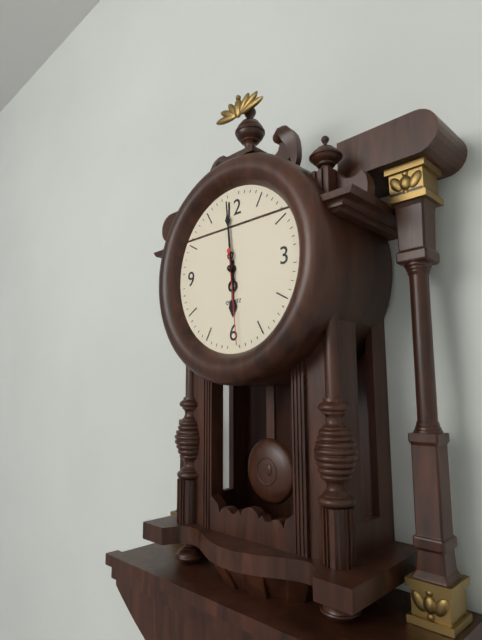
5:59:29
